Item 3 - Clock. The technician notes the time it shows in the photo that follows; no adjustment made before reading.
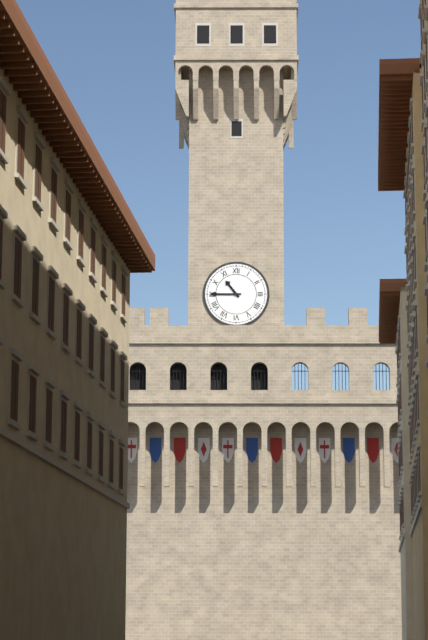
10:45
